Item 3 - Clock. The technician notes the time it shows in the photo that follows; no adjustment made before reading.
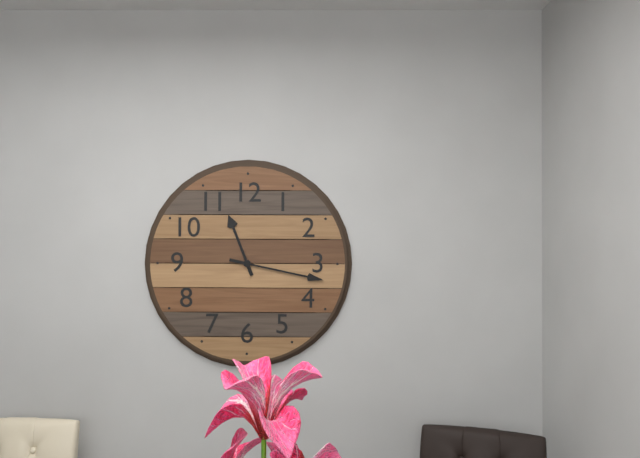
11:17
